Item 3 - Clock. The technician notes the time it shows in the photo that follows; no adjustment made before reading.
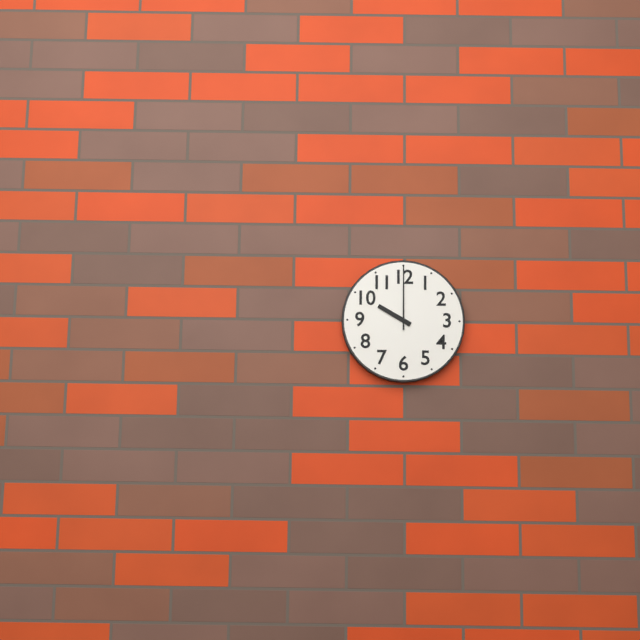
10:00
